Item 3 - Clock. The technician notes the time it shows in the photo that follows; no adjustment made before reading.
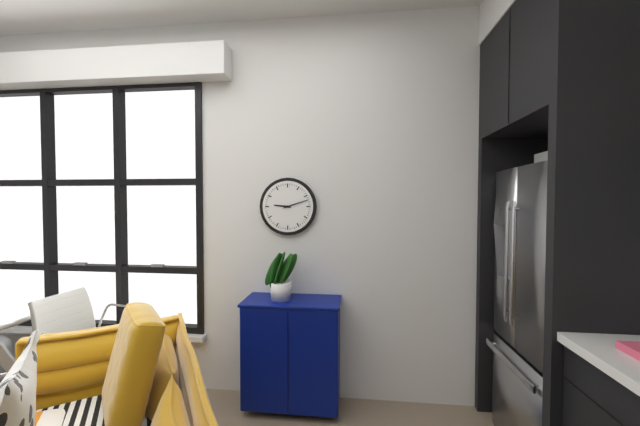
9:12
